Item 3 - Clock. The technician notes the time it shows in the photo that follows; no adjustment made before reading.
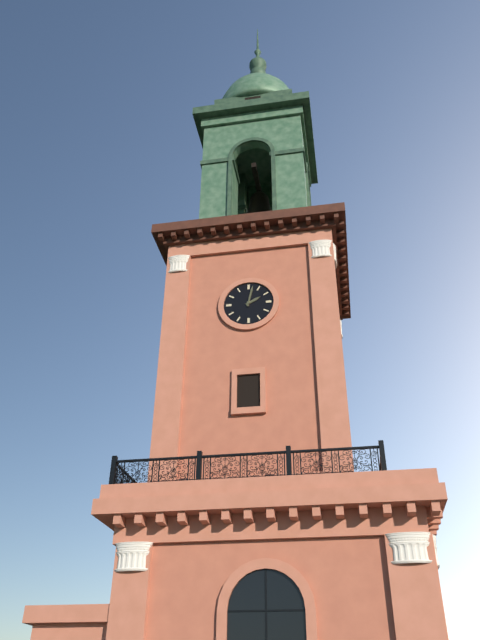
2:02
